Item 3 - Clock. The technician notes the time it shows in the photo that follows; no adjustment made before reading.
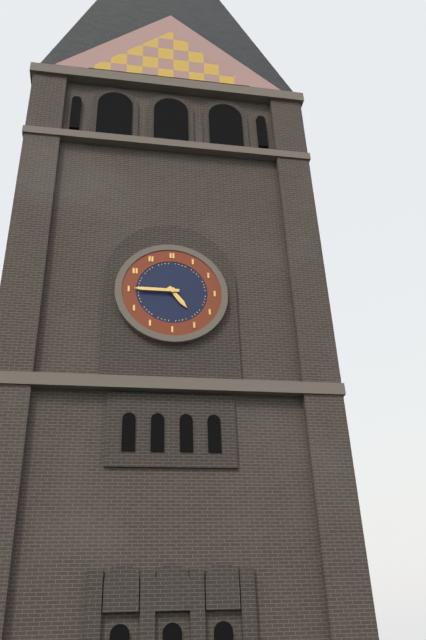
4:45
